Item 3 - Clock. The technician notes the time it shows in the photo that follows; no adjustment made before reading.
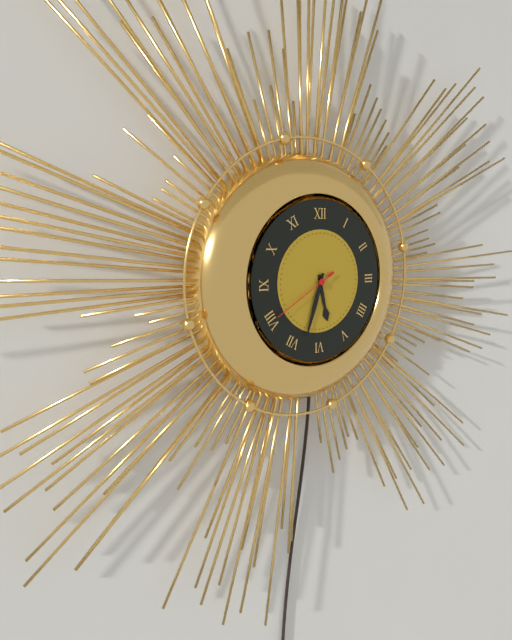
5:33:40
